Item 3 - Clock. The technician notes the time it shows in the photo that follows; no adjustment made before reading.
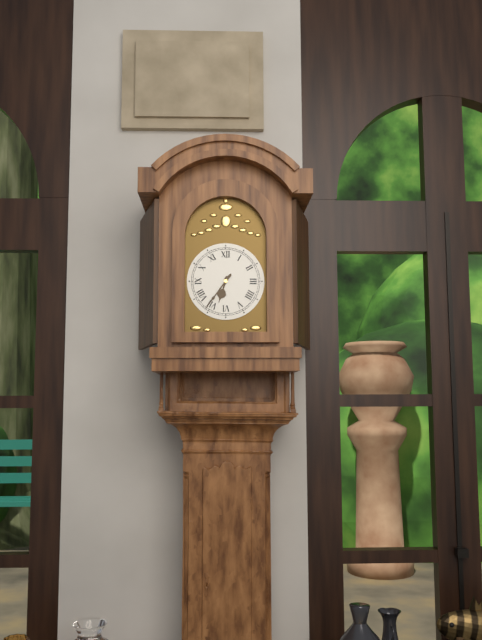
6:36
